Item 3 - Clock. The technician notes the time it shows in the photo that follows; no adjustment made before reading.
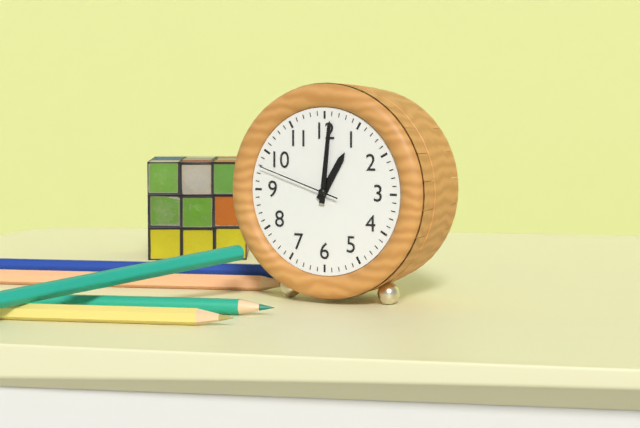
1:01:48
